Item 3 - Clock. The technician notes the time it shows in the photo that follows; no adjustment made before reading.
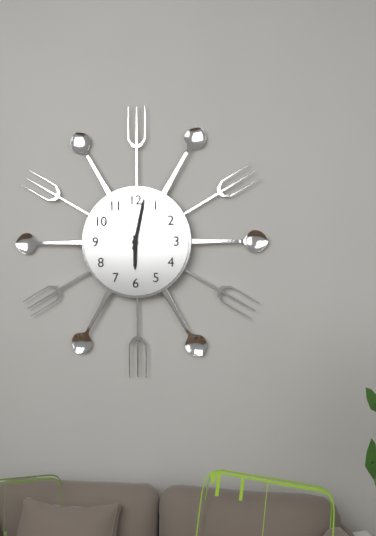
6:02
